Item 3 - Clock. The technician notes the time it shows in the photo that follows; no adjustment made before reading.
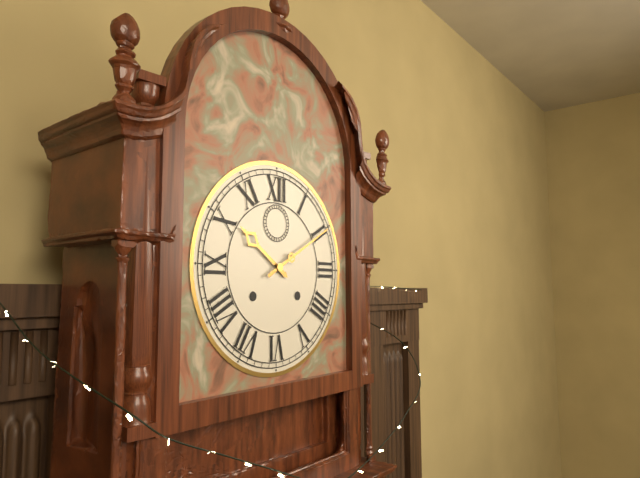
10:10
